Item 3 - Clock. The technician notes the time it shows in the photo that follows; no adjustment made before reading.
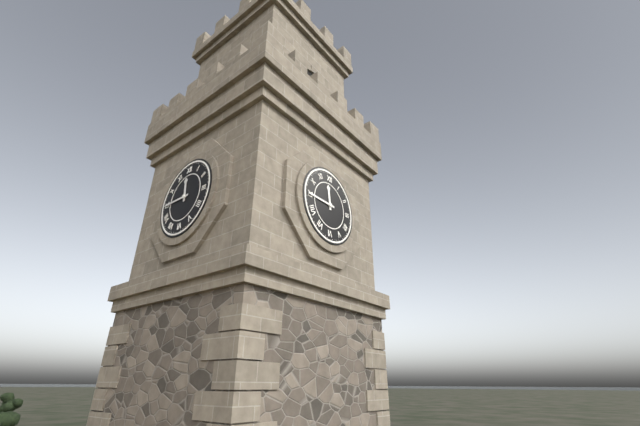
11:45
